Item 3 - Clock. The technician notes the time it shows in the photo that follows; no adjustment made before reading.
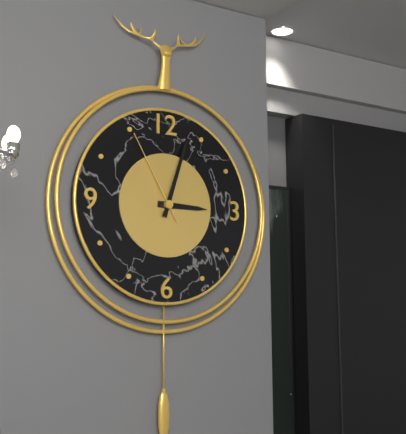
3:03:55
